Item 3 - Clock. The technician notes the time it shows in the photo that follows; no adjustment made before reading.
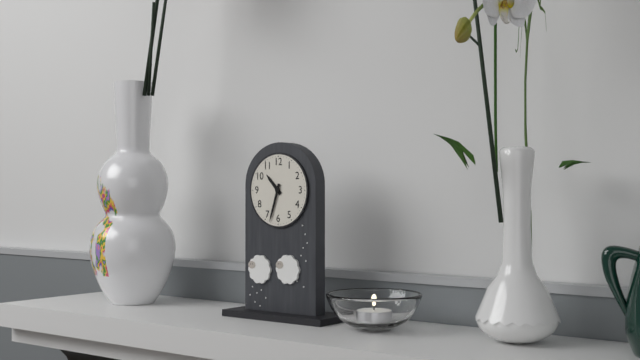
10:33
